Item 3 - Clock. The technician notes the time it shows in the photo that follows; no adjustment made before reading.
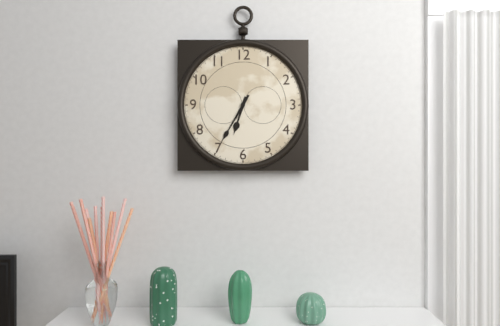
6:35
